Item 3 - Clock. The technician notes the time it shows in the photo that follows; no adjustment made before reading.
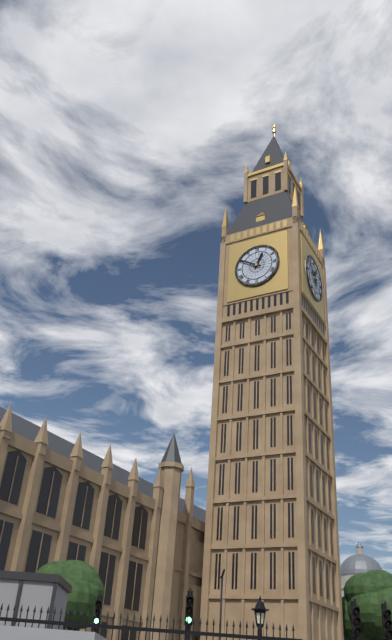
12:50
